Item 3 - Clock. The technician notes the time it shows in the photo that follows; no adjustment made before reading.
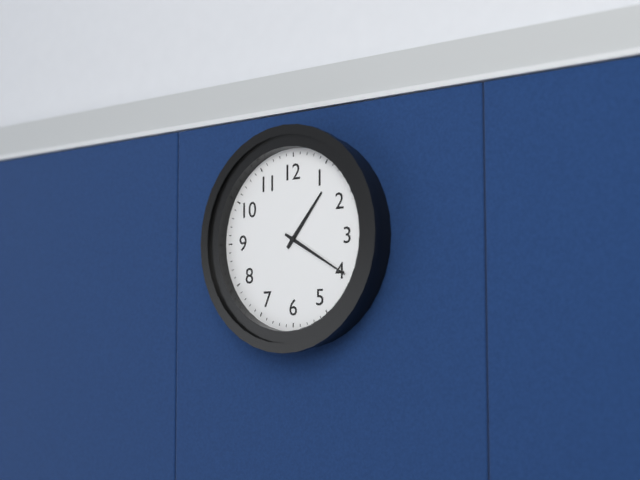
1:20
